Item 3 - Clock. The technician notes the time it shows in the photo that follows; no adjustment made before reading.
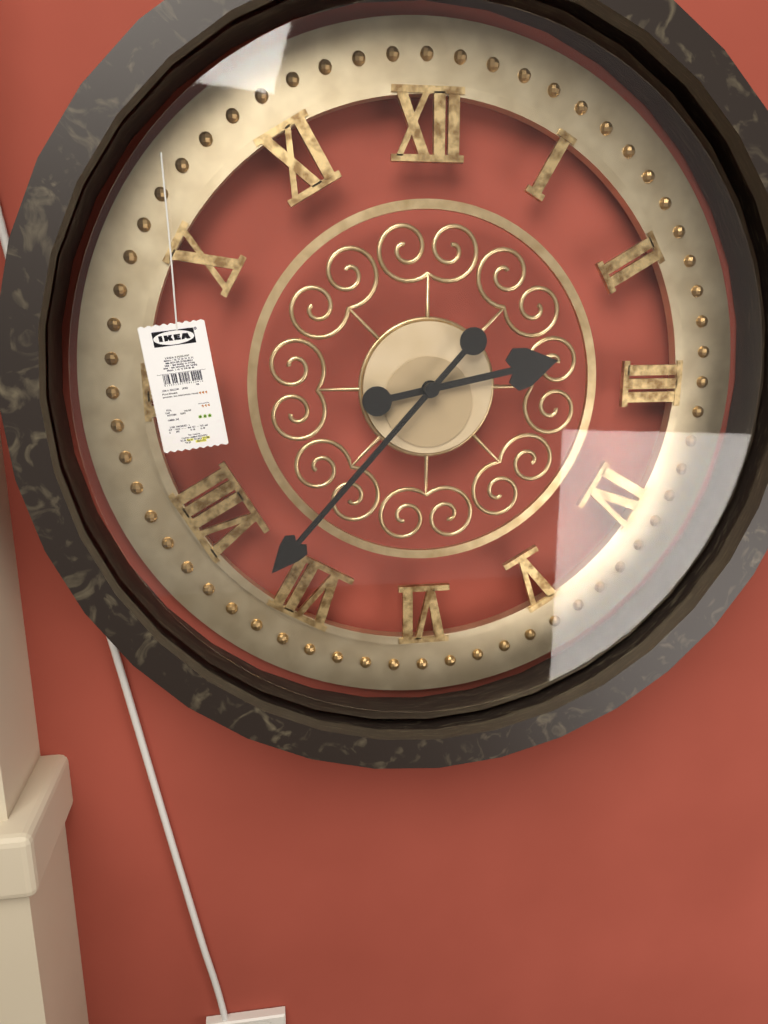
2:37
